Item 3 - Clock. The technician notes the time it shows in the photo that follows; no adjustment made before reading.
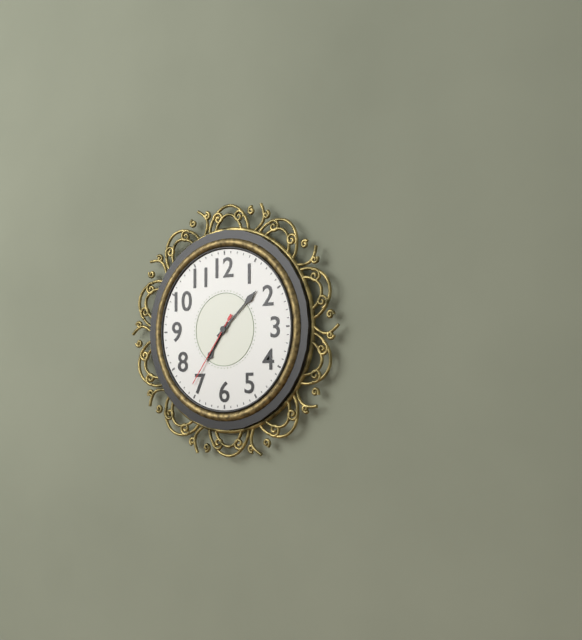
7:08:36
